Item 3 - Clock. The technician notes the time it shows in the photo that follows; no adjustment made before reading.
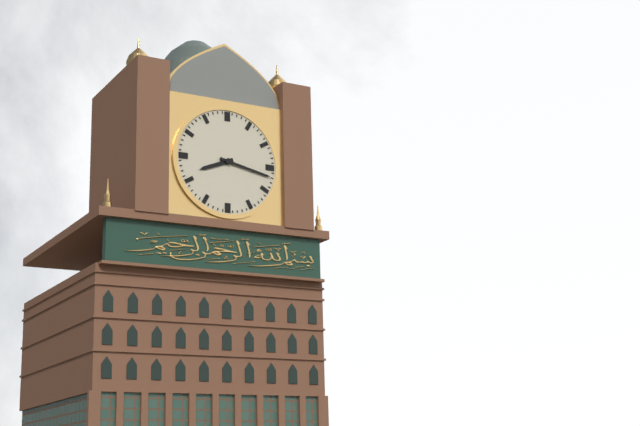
8:17
